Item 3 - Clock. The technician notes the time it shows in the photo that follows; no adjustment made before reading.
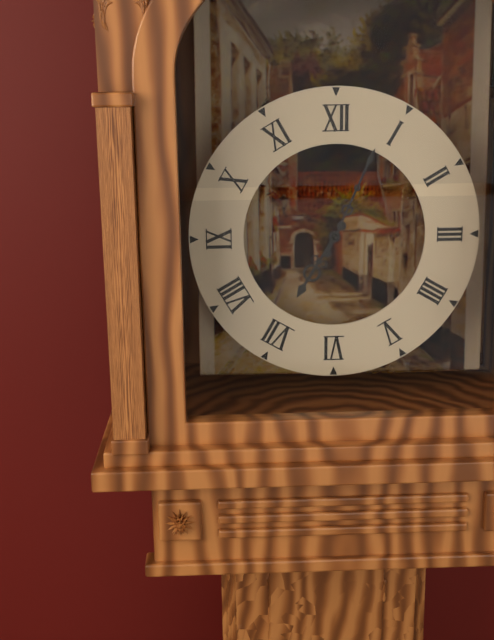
7:04
